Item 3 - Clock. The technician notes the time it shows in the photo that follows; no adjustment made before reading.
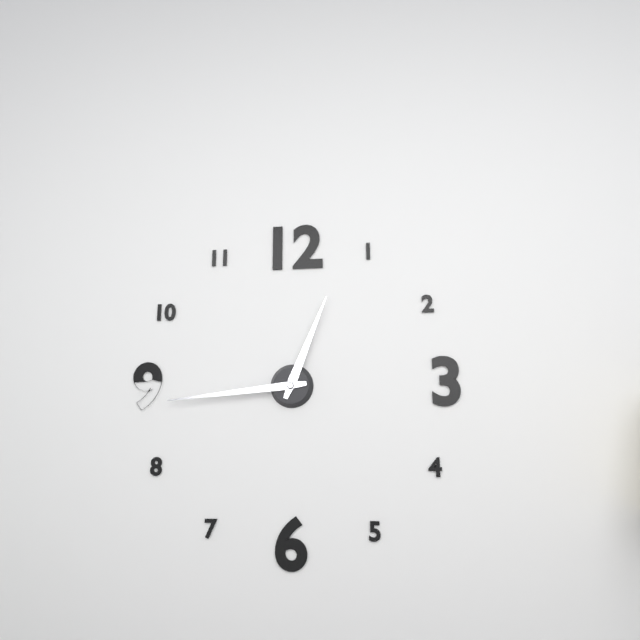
12:44
